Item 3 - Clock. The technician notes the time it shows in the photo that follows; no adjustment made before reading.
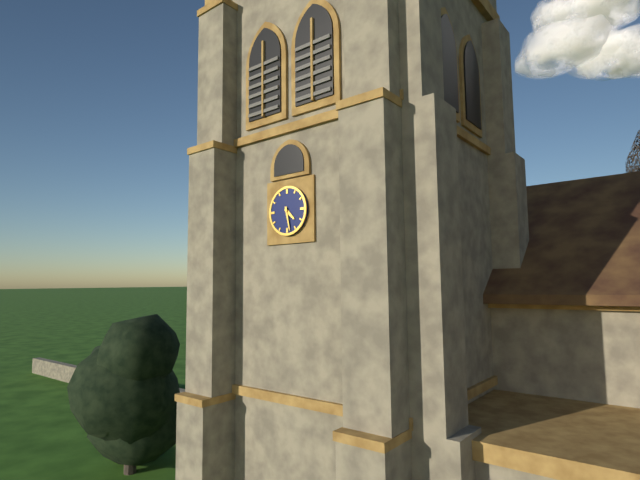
4:28
